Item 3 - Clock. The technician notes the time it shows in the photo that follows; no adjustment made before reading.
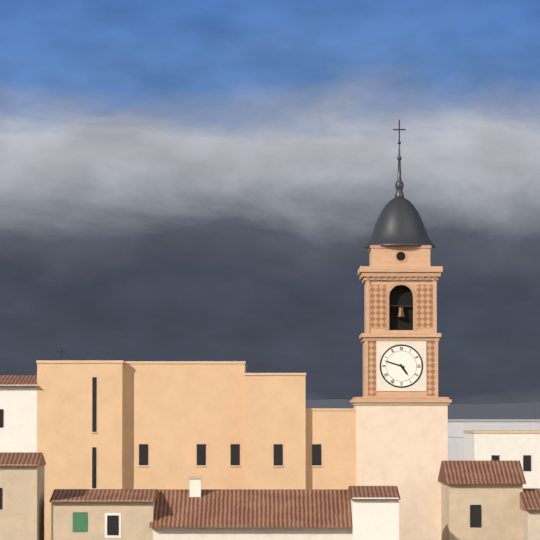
4:48
